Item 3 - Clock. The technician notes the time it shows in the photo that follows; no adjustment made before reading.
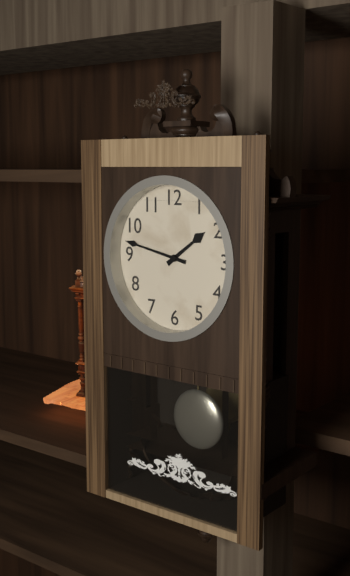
1:47
